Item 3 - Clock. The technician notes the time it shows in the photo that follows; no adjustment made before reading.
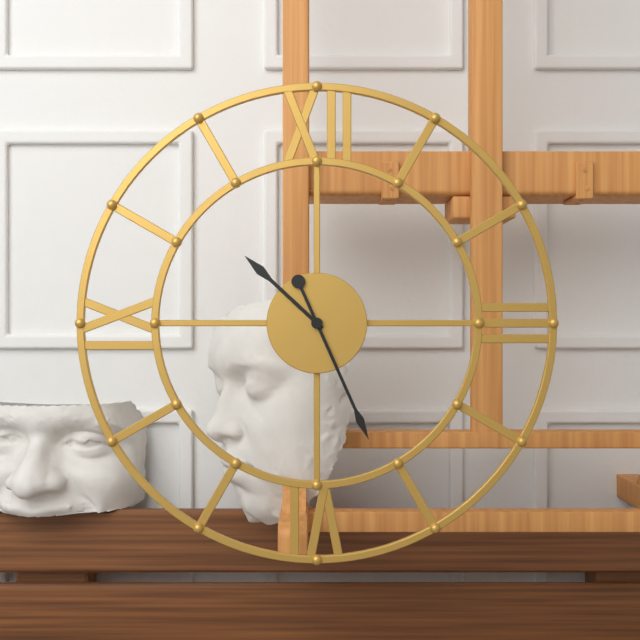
10:26
